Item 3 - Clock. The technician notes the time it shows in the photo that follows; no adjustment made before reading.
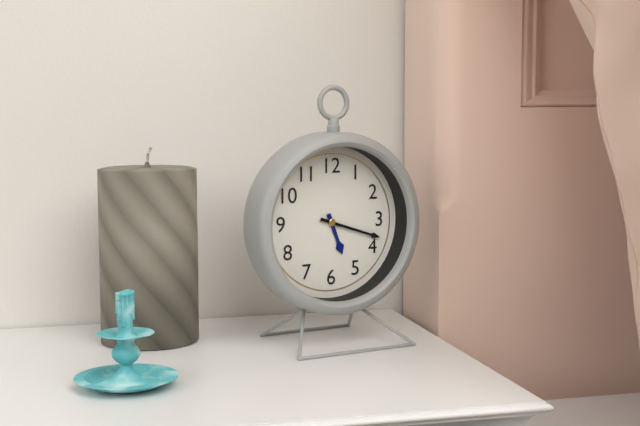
5:18
